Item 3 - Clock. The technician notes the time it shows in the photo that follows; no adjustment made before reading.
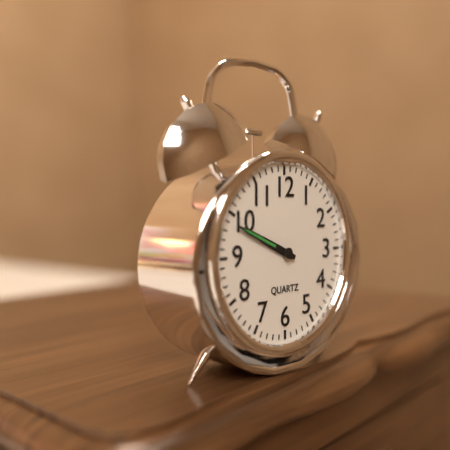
9:49
